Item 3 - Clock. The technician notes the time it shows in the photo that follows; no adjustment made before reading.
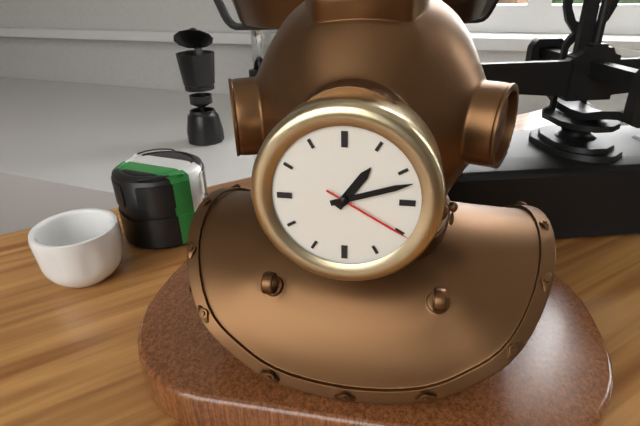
1:12:20
